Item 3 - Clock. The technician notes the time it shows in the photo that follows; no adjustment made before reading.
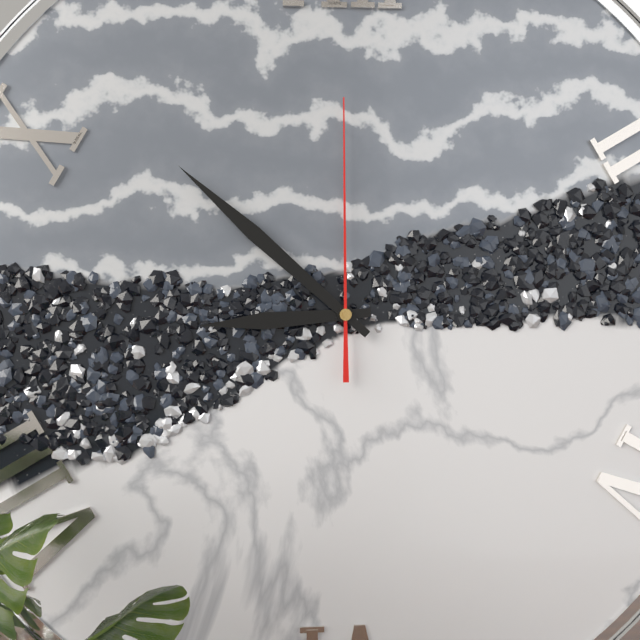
8:52:00
